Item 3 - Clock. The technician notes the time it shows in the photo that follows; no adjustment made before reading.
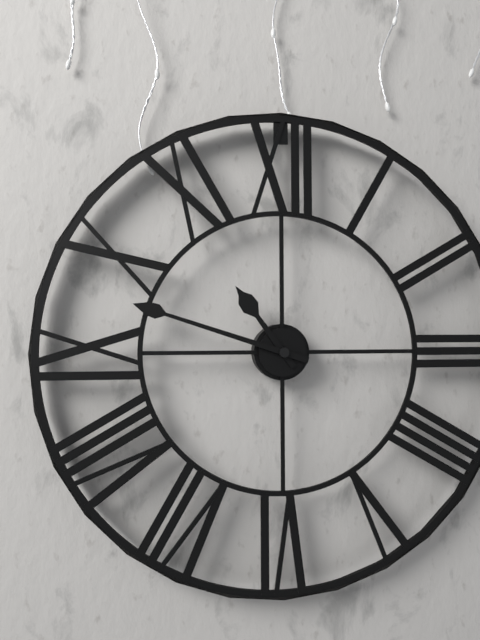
10:48
